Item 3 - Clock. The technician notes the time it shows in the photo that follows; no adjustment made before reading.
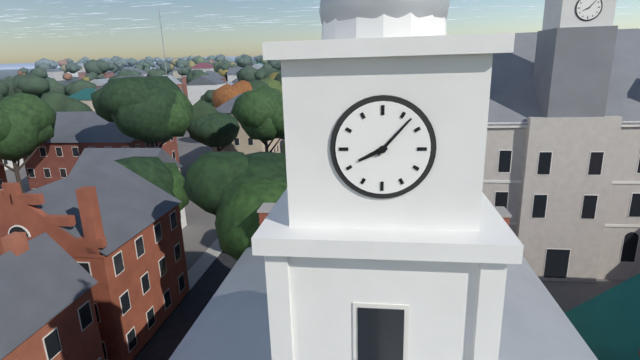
8:07
